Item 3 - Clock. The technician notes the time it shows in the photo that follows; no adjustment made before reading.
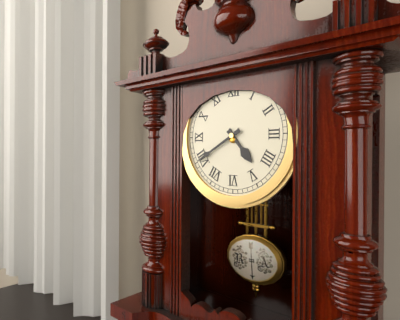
4:40
